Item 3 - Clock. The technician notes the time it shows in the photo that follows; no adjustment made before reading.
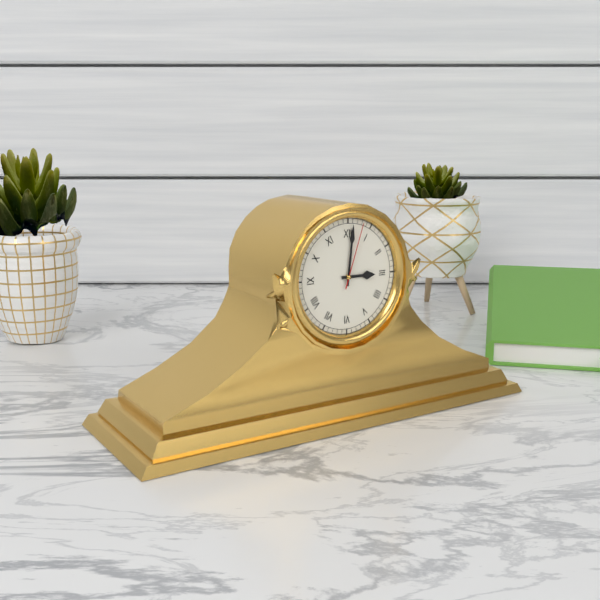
3:01:03
